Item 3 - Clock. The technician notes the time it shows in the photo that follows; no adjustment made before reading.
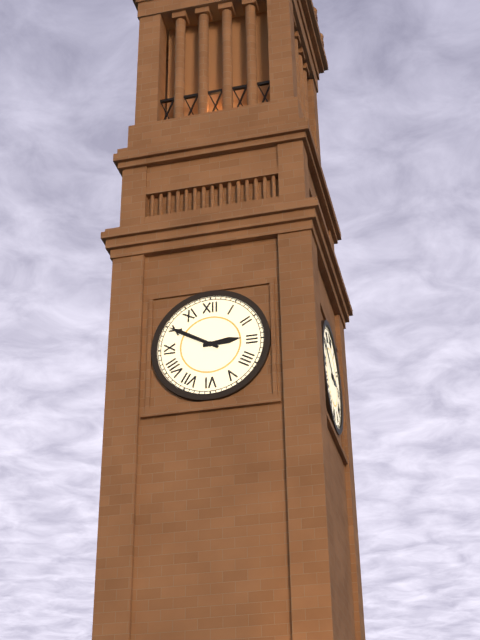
2:50
